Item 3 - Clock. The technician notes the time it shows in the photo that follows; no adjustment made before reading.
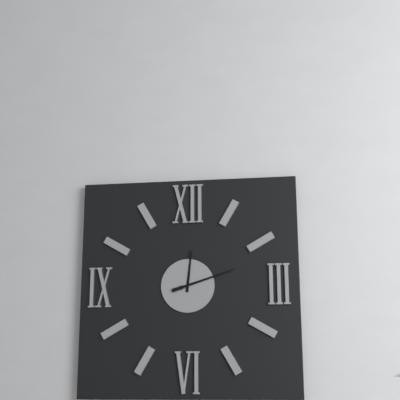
12:12
